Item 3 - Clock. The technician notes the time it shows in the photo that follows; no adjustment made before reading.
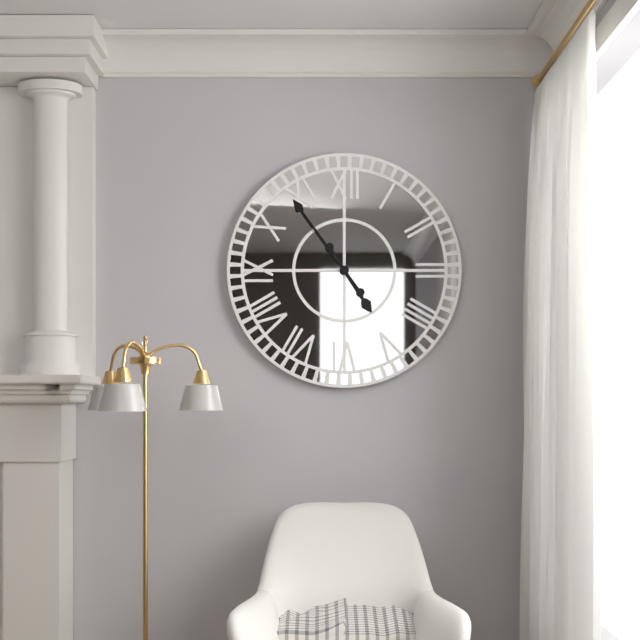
4:54
